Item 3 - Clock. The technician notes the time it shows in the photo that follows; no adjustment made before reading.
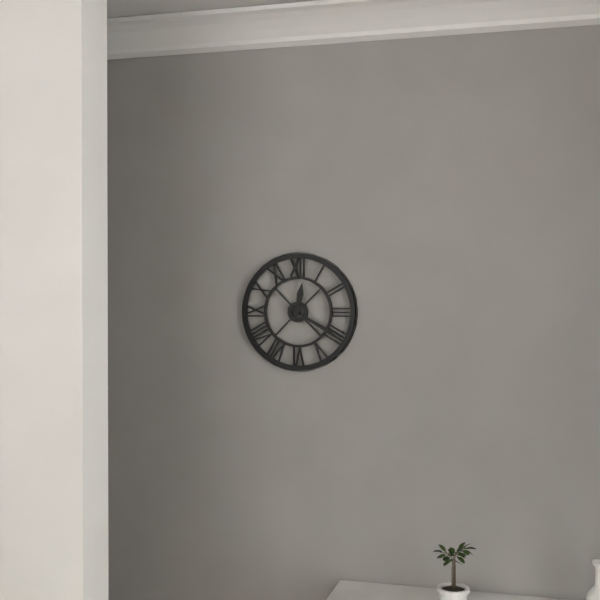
12:20
